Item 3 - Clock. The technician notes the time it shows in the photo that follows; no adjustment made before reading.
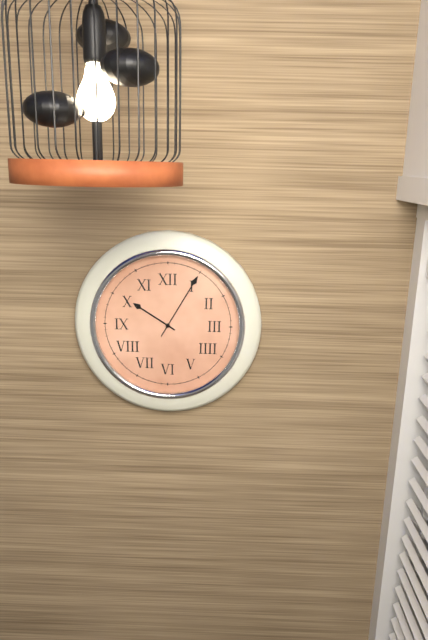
10:05
